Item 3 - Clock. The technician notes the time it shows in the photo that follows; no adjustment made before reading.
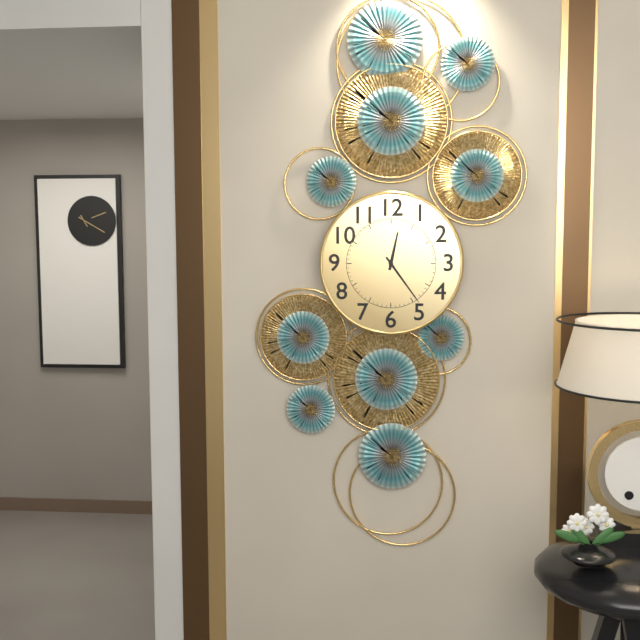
12:24
